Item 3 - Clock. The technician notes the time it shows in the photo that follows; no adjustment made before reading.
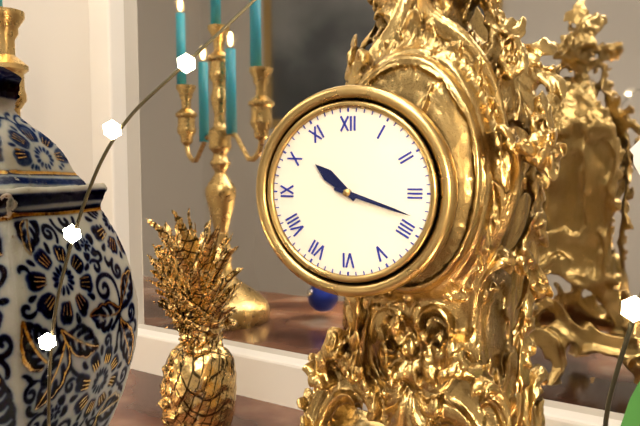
10:18
